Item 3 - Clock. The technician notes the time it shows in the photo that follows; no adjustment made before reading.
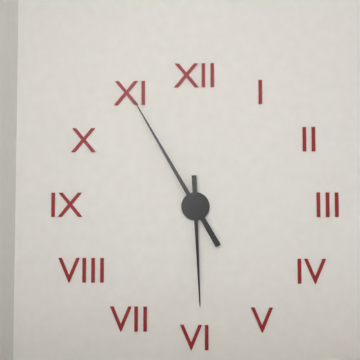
5:55
